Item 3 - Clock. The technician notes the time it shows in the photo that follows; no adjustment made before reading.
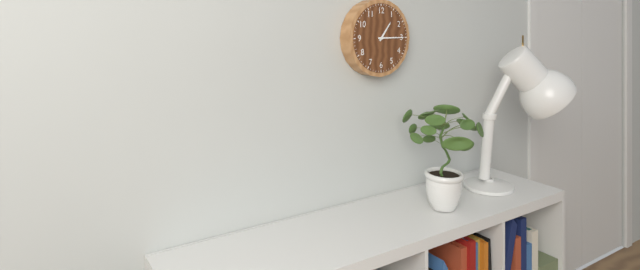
1:15
